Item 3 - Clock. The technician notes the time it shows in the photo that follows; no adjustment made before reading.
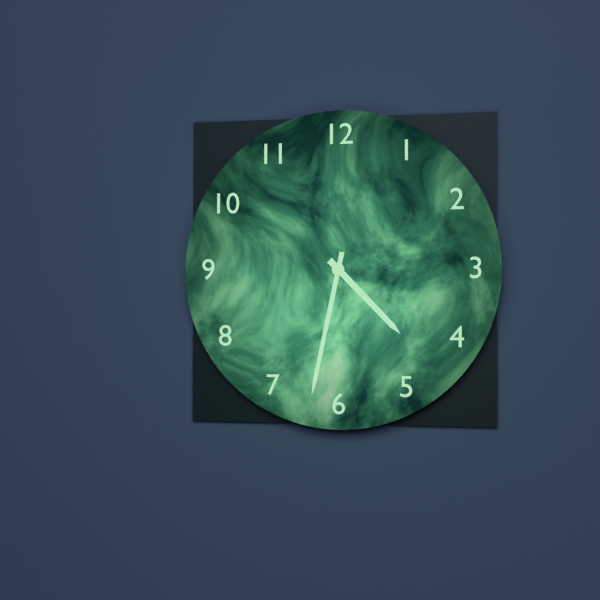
4:32
